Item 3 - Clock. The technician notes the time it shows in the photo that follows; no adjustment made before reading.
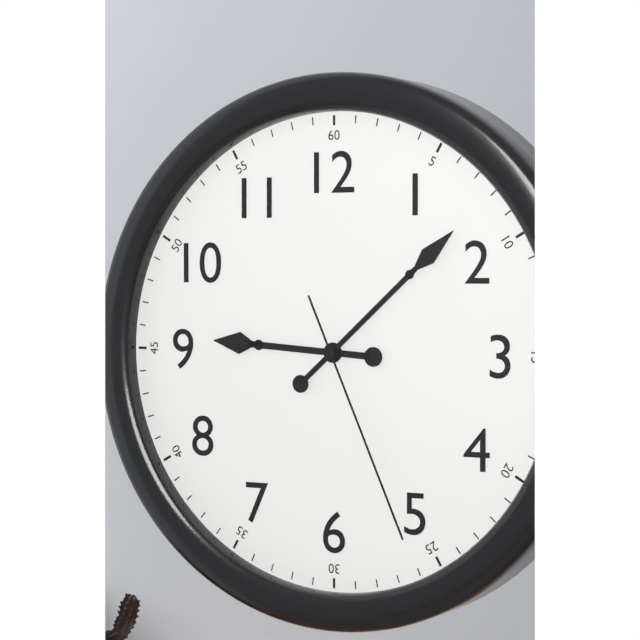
9:08:26
